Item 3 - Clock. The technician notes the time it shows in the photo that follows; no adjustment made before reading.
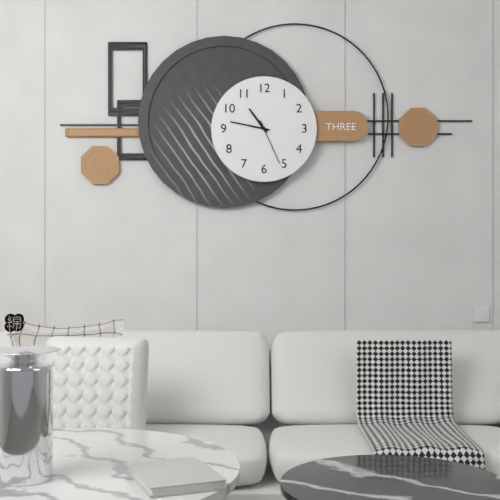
10:47
